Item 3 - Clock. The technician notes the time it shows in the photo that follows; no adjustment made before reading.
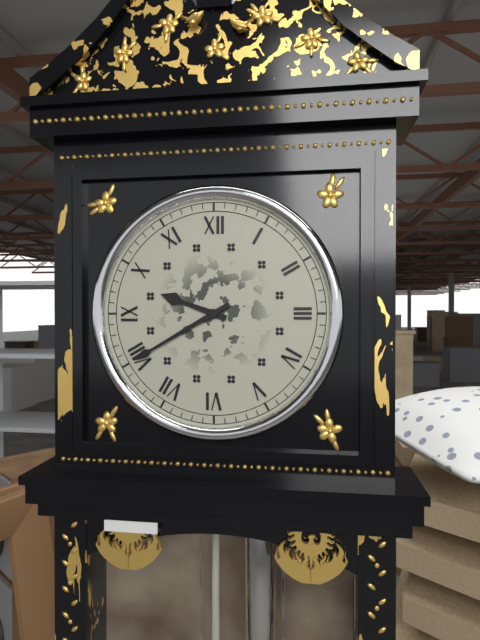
9:40
